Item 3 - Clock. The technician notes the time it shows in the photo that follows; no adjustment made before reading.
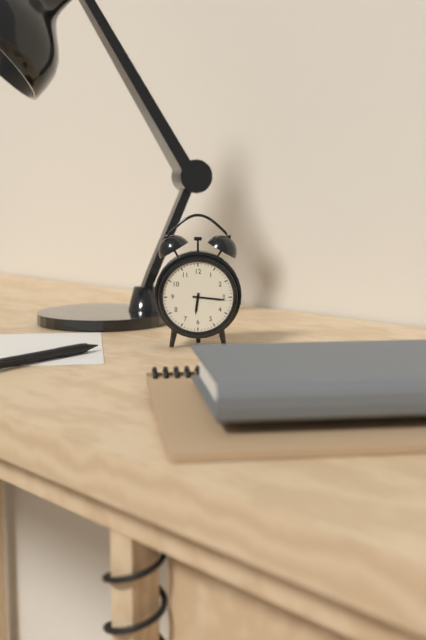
6:16
